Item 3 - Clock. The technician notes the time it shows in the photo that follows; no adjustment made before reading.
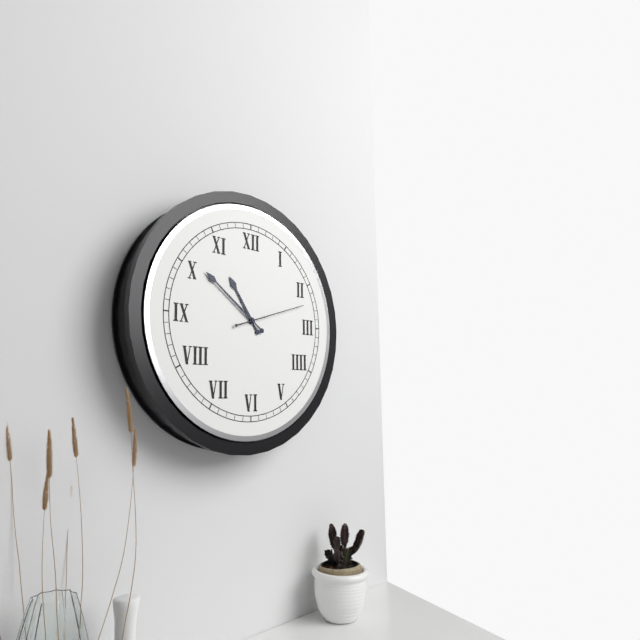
10:51:12
